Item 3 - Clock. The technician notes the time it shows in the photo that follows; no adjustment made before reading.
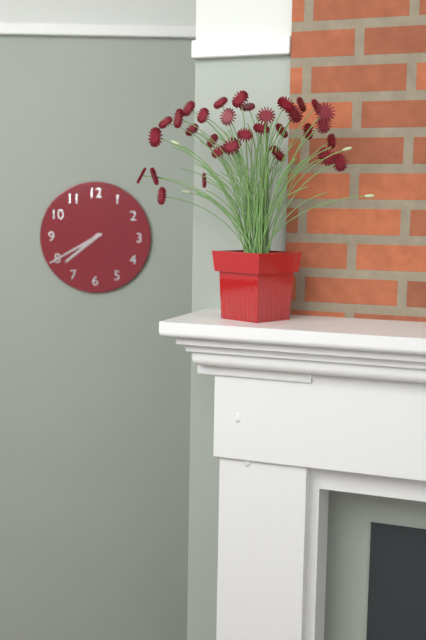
7:40
